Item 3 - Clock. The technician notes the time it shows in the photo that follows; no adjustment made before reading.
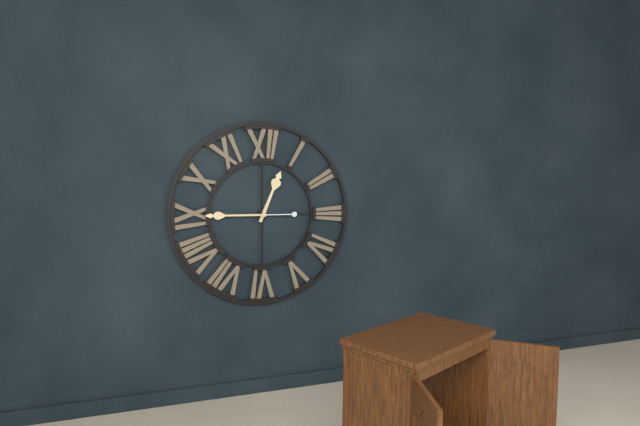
12:45
